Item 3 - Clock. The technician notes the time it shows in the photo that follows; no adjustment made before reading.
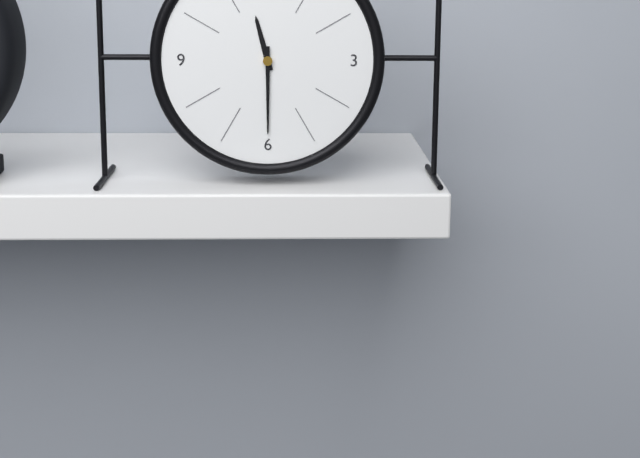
11:30
